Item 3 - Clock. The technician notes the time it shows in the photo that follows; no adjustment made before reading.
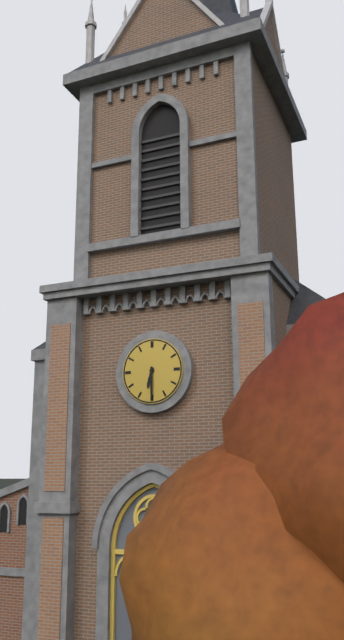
6:30
